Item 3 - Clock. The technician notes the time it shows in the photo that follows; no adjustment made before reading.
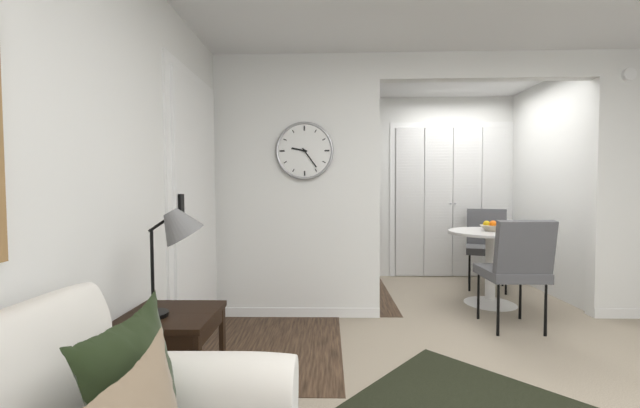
9:24
